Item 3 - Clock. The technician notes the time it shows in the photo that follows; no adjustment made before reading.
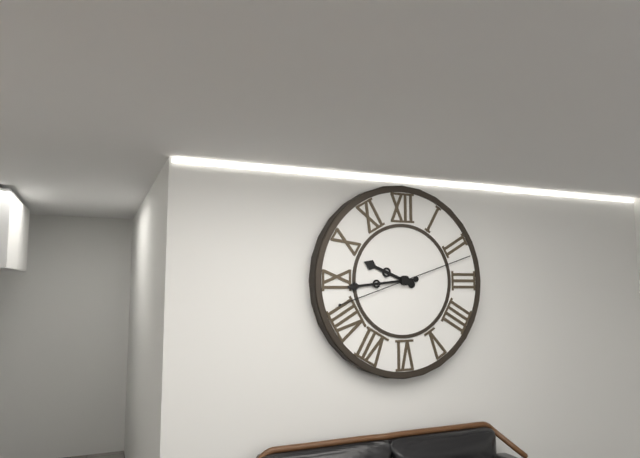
9:44:12
